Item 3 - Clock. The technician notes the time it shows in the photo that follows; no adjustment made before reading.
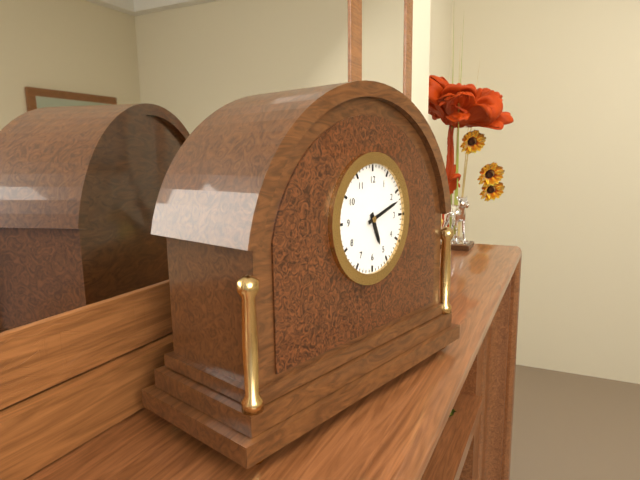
5:12
